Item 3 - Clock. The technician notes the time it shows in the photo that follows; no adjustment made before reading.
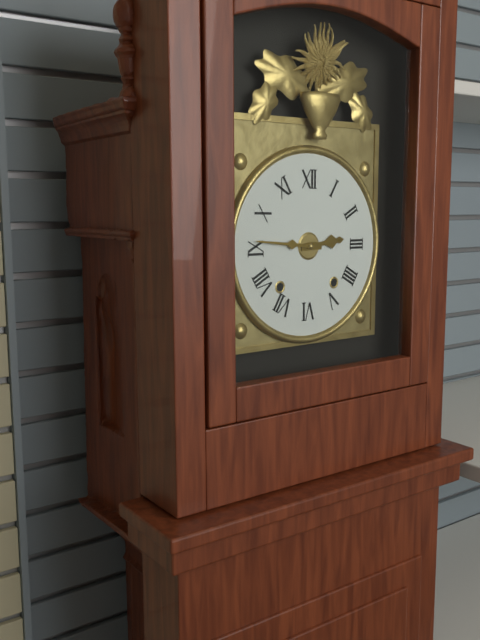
2:46
